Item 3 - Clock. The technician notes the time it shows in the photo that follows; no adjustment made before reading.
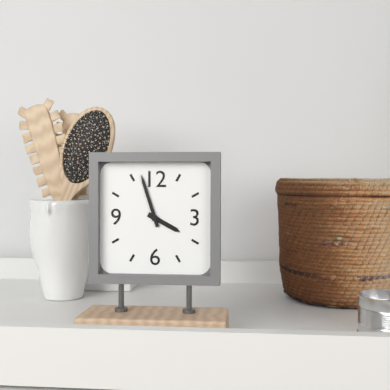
3:57
